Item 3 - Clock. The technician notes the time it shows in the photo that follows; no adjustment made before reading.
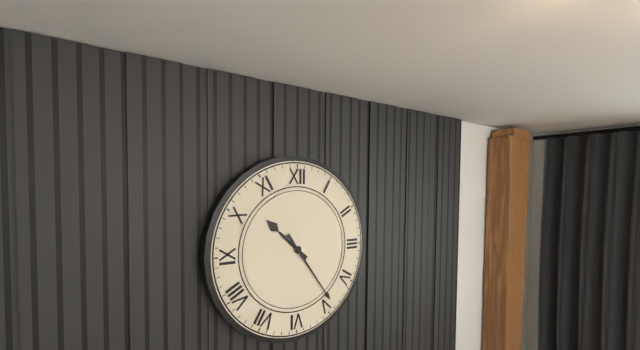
10:24
